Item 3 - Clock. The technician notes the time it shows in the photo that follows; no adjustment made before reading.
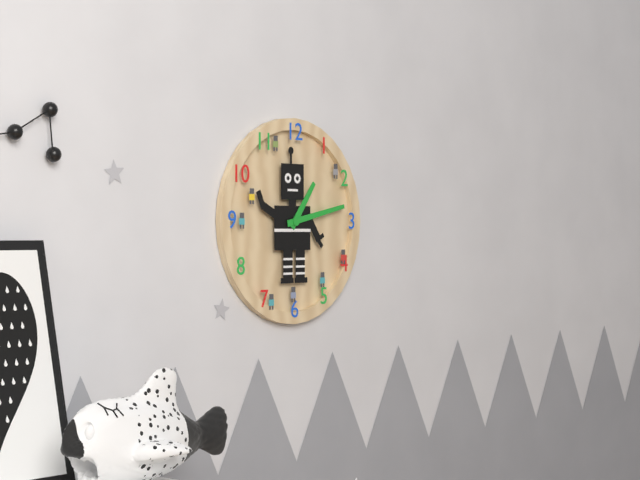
1:13
